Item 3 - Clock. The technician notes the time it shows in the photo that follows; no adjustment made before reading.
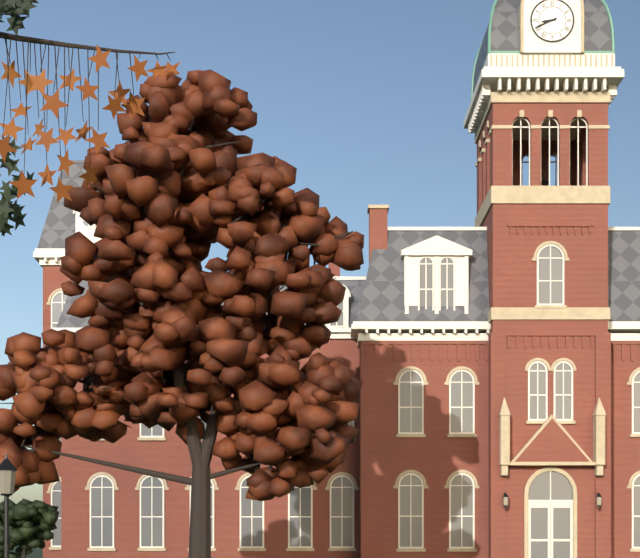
8:41
